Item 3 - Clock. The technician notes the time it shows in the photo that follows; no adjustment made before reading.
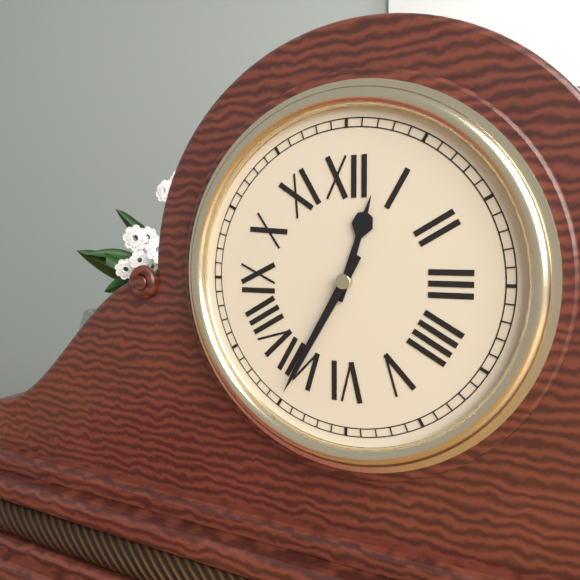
12:35
